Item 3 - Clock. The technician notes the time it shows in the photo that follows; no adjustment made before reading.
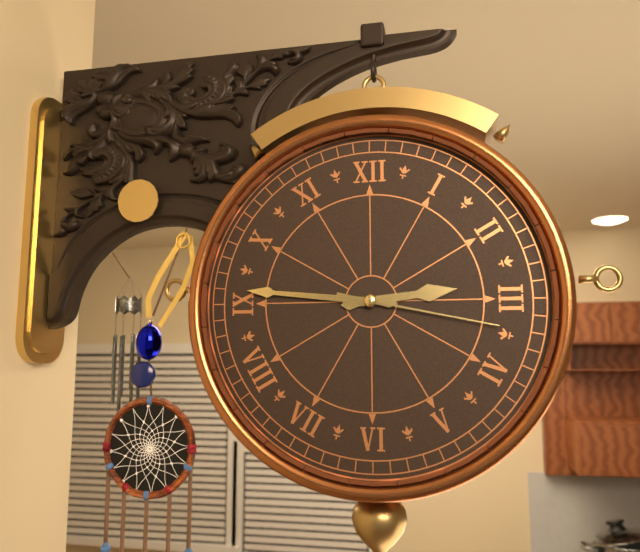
2:46:17
